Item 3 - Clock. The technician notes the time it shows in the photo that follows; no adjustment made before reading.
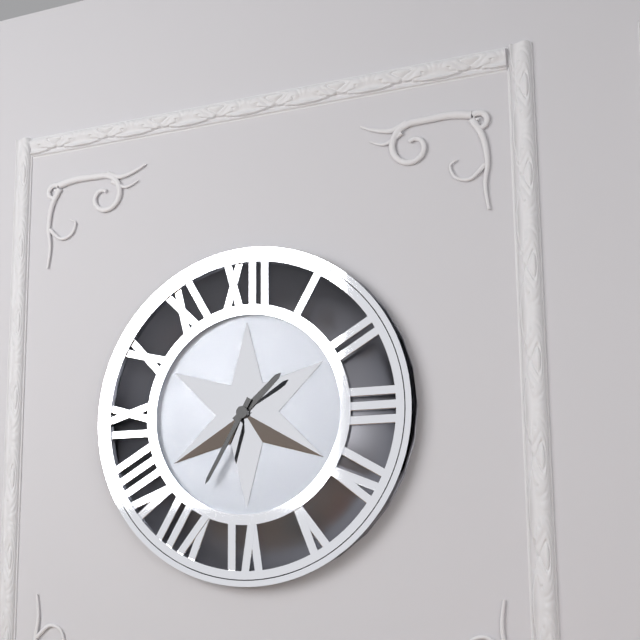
1:35
